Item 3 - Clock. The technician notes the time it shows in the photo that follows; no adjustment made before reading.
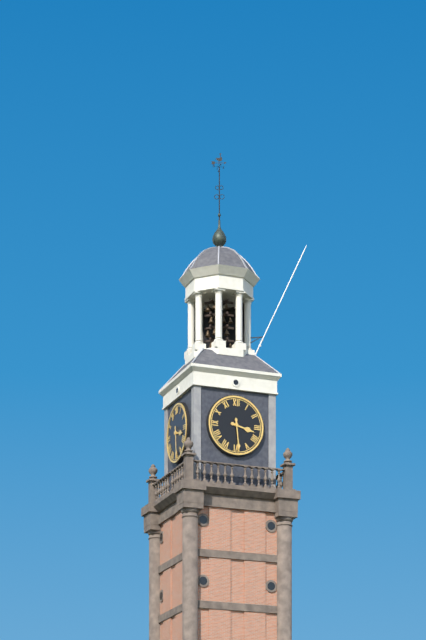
3:29
